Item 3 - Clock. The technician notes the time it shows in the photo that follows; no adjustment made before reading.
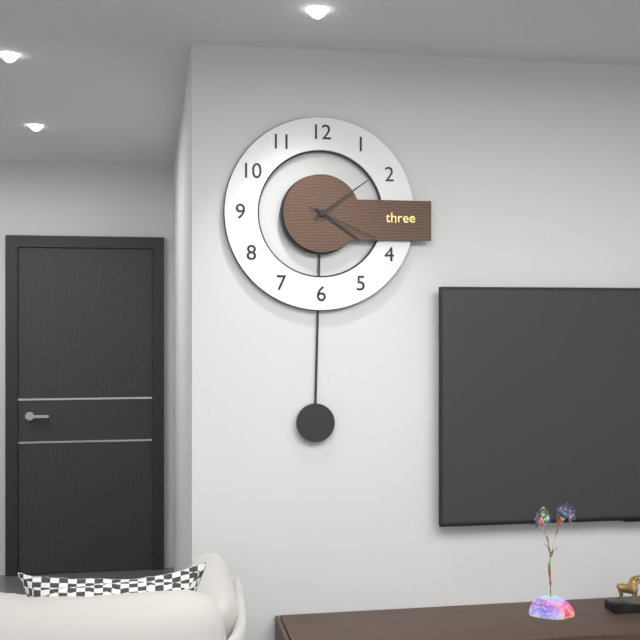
4:09:19
